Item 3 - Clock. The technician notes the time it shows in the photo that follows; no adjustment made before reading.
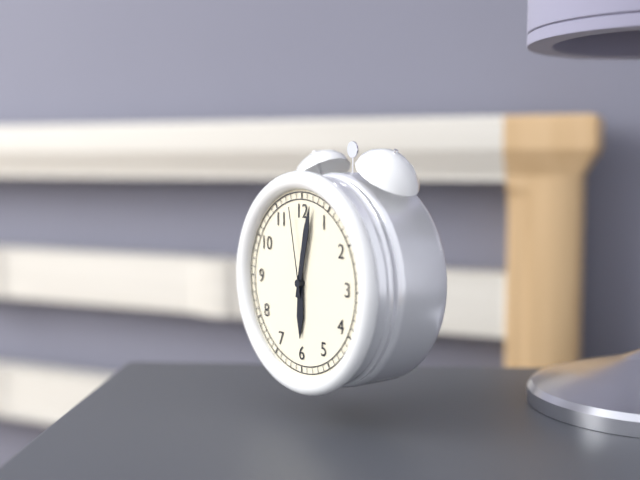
6:02:58
